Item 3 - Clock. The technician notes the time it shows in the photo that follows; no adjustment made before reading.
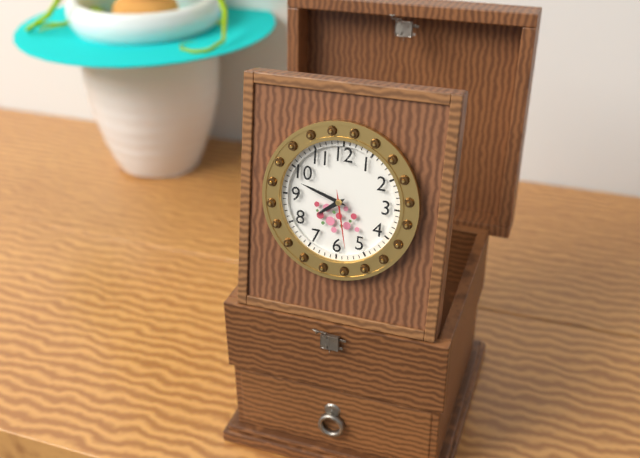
7:48:28
